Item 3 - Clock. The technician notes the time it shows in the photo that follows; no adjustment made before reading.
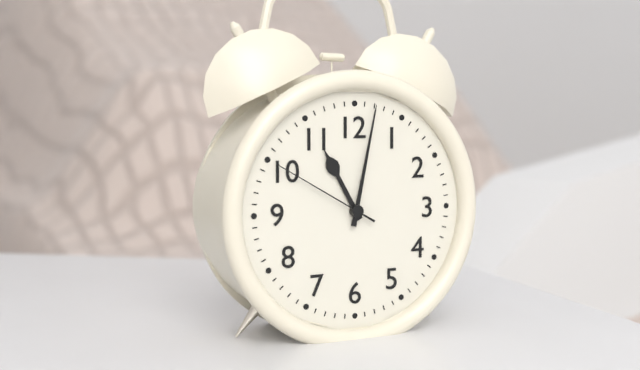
11:02:50
